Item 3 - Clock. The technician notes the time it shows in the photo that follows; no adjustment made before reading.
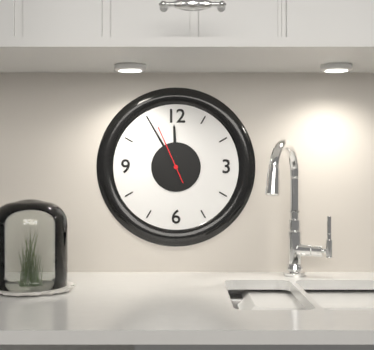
11:55:56
